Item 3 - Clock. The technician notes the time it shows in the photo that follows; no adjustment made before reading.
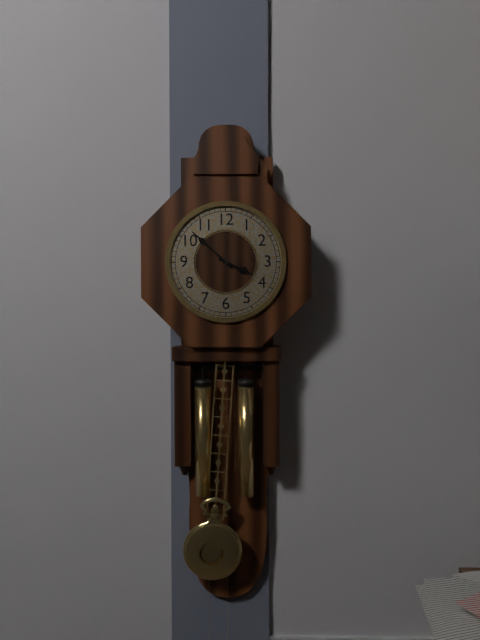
3:52
